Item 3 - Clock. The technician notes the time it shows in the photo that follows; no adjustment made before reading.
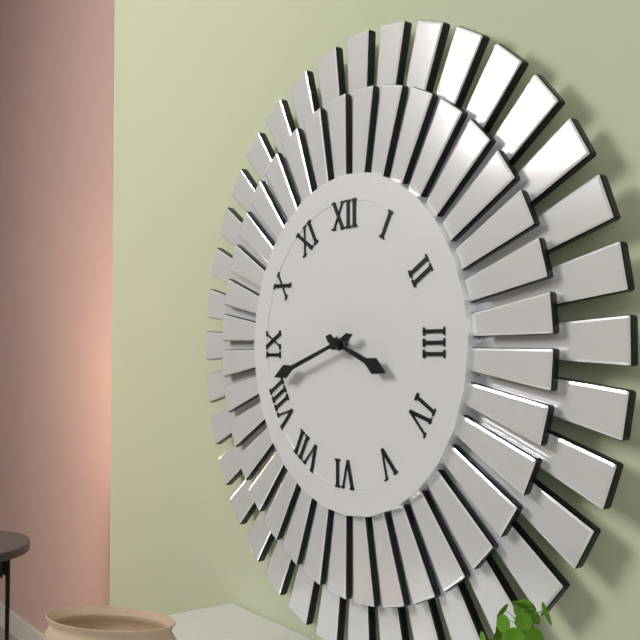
3:42
